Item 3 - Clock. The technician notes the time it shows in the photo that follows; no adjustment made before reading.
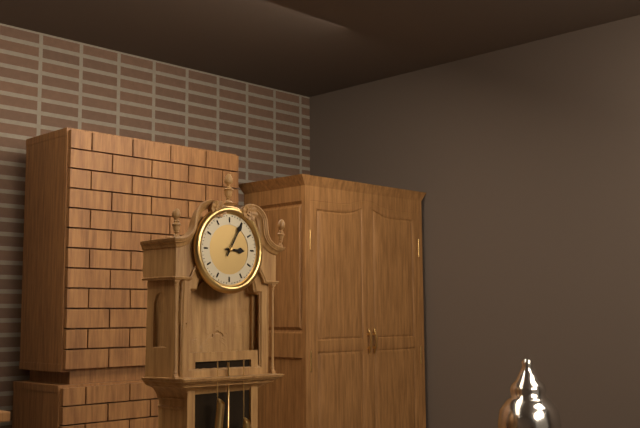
3:05
